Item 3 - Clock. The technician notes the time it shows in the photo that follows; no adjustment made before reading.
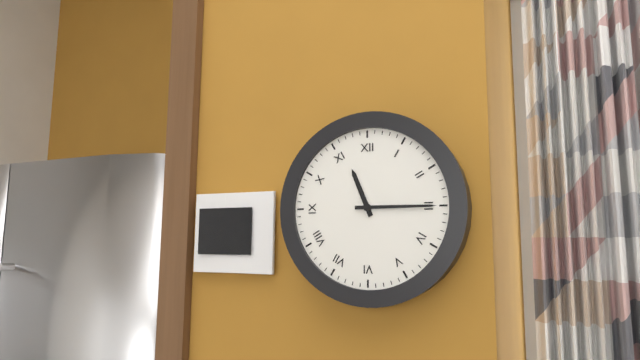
11:15
